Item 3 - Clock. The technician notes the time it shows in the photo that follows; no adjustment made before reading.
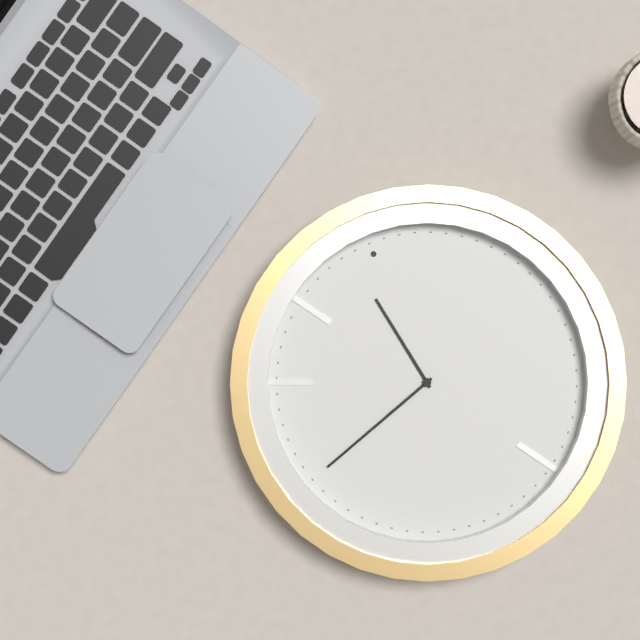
11:42
